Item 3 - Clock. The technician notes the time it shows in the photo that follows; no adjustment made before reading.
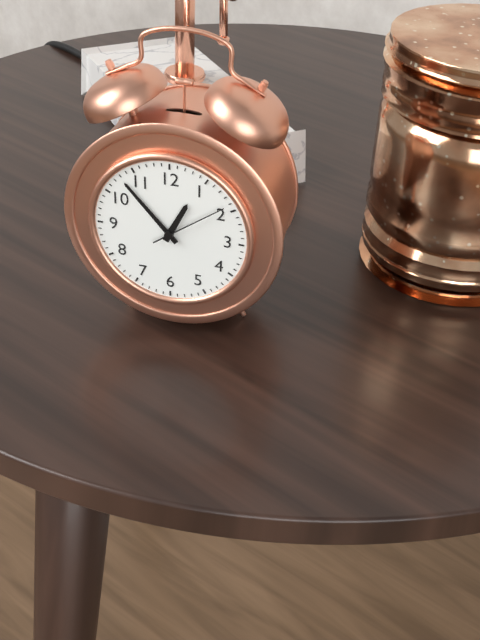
12:53:09
